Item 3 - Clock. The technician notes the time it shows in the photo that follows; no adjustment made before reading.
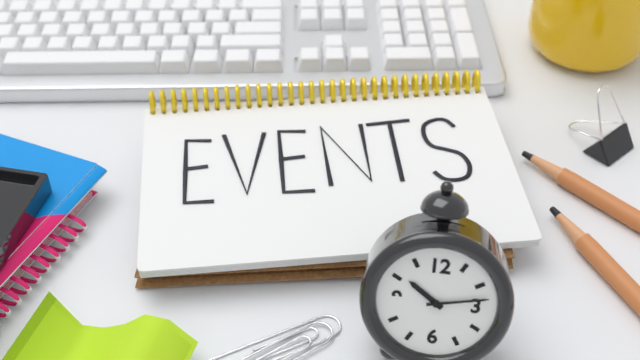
10:13
